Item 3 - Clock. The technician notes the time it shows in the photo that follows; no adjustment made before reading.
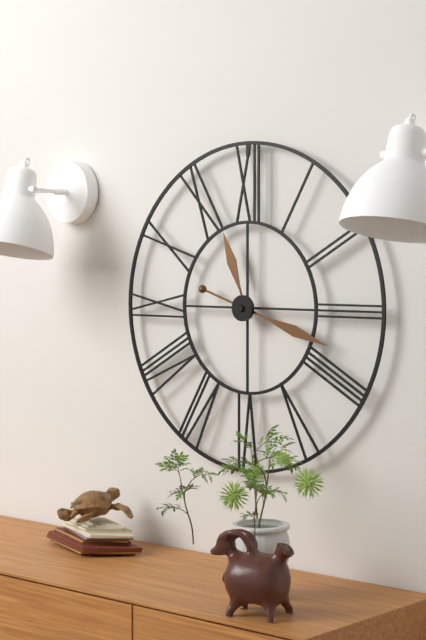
11:18
